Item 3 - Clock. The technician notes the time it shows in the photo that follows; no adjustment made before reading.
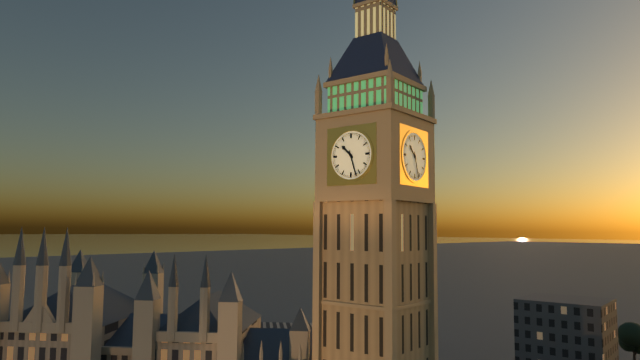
10:27
